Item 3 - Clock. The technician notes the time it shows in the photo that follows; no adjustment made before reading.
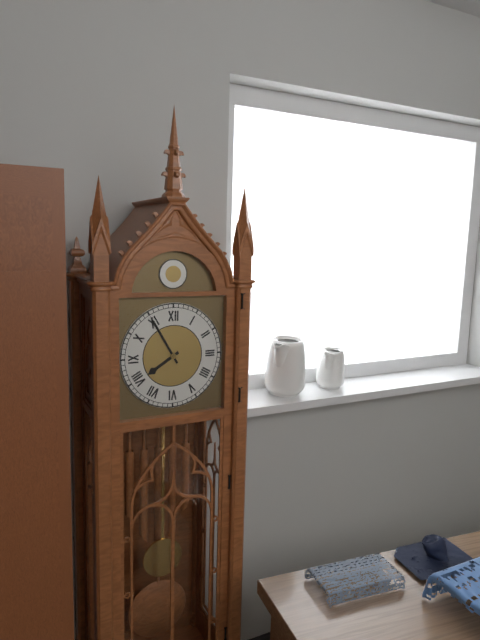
7:55
